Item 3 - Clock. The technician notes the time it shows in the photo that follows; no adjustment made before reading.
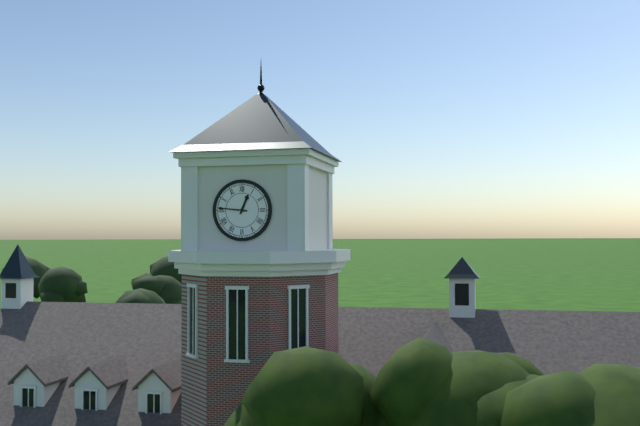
12:46
